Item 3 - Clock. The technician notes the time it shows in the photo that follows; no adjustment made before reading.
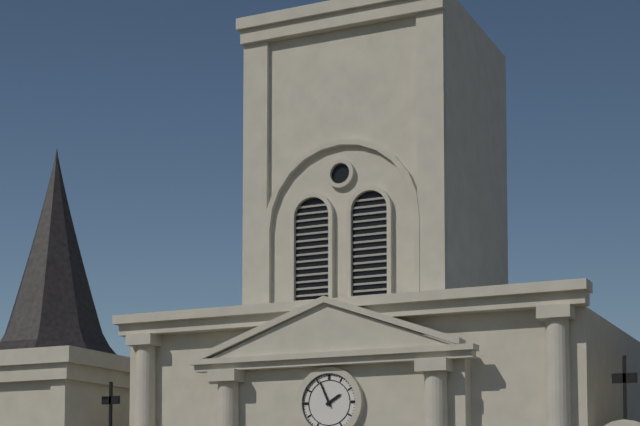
1:56
